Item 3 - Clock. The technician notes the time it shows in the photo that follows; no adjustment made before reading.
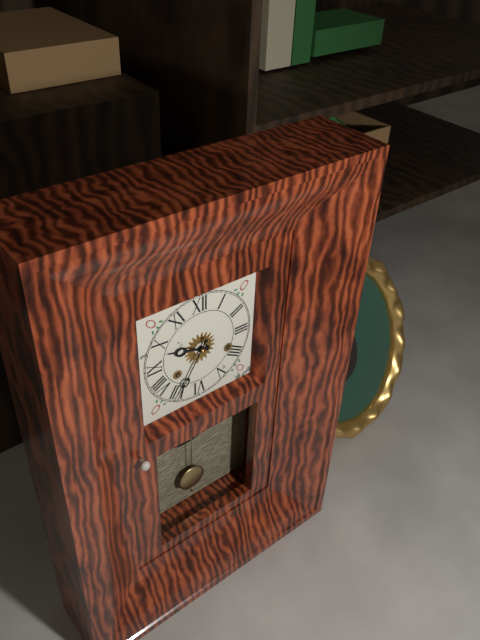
9:35
